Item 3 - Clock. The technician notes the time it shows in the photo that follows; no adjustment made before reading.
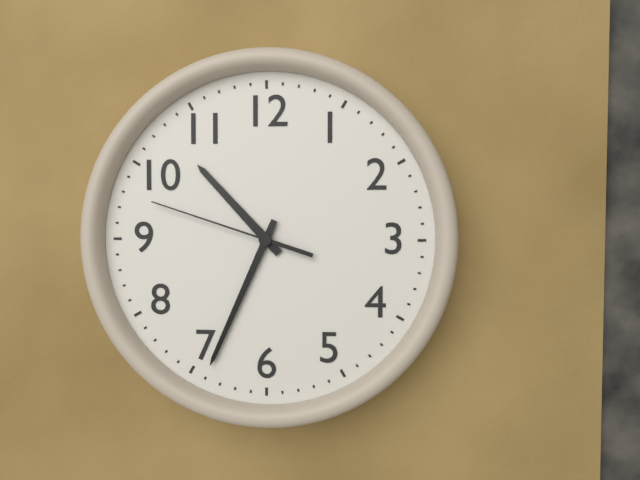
10:34:48
